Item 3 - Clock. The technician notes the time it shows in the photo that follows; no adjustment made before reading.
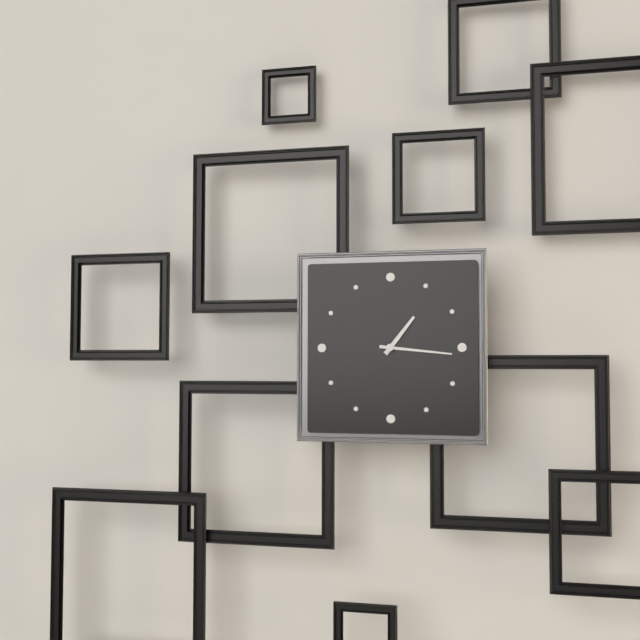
1:16
